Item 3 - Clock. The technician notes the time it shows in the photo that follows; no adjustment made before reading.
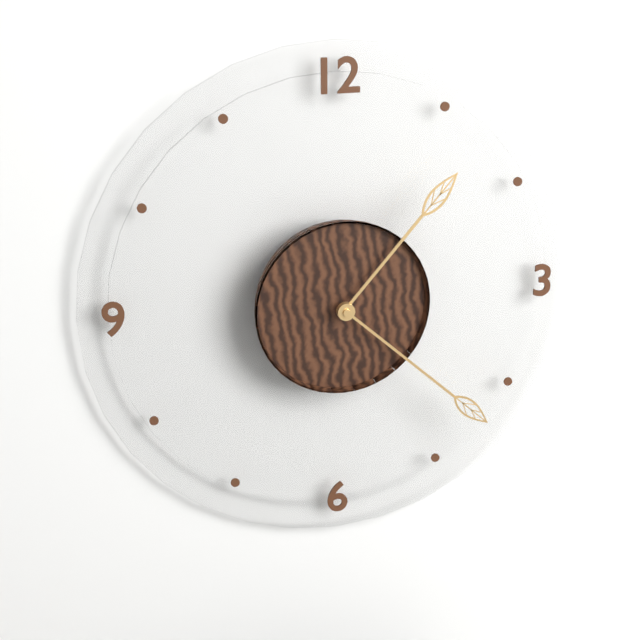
1:22
